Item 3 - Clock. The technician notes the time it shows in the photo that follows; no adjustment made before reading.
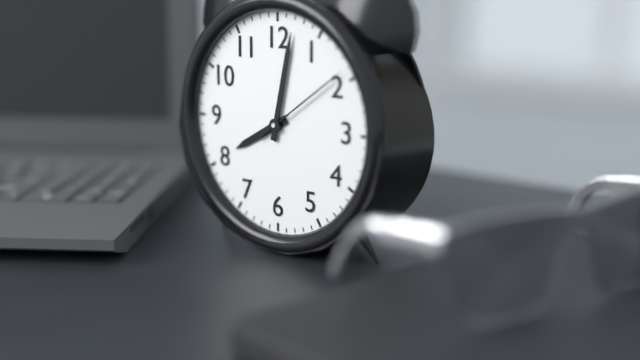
8:02:09
